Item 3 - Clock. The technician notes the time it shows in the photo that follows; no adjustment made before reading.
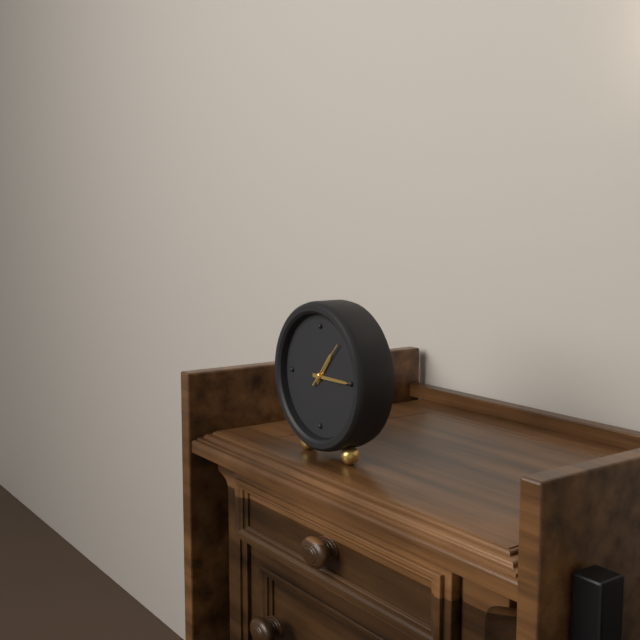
1:15
